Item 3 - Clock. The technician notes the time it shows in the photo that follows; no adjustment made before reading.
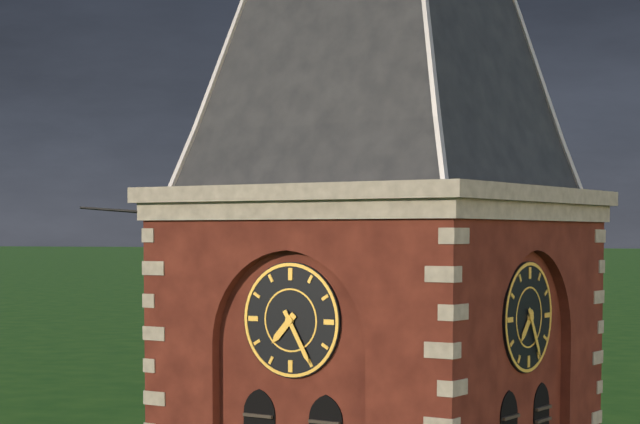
7:25
